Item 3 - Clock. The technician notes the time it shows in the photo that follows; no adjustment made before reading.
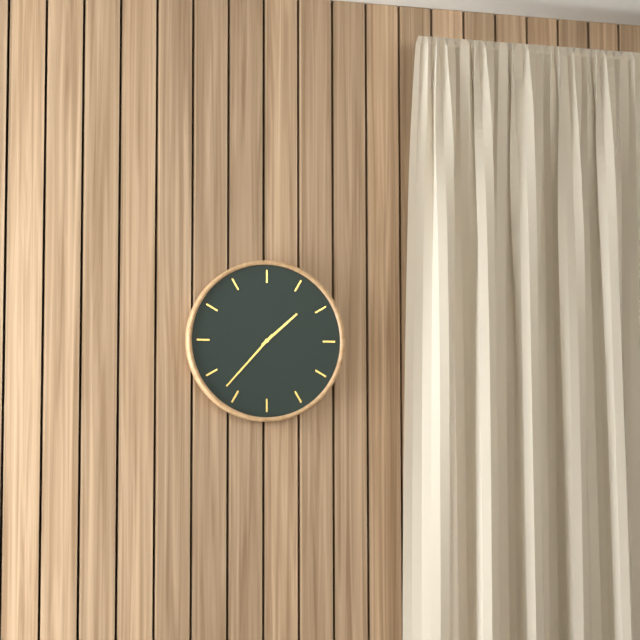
1:37
